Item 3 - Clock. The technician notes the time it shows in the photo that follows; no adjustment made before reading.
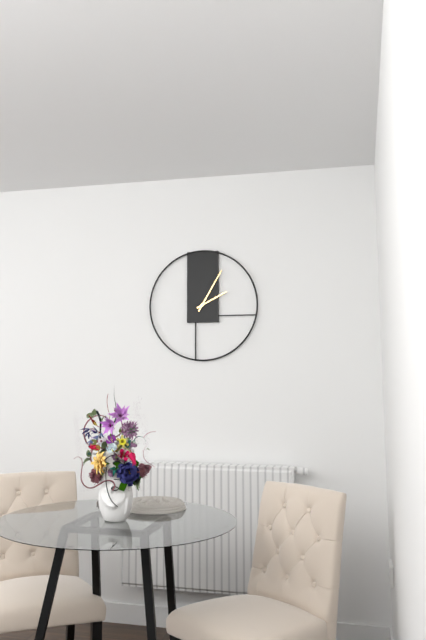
2:05
